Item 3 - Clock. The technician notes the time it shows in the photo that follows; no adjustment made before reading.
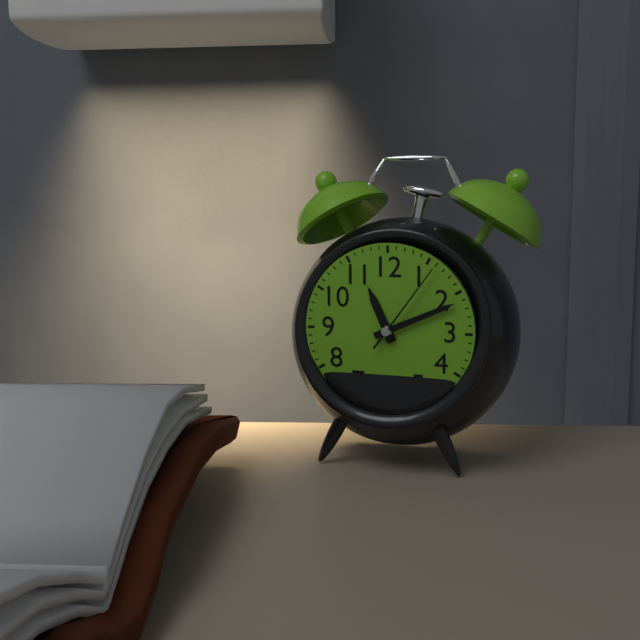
11:11:06
